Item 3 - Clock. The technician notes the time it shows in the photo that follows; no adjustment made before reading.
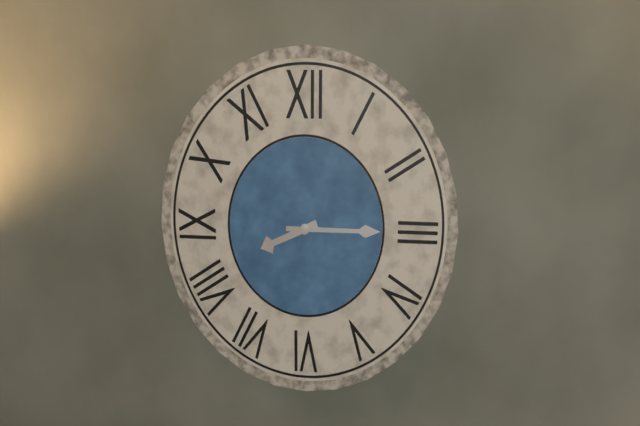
8:15
